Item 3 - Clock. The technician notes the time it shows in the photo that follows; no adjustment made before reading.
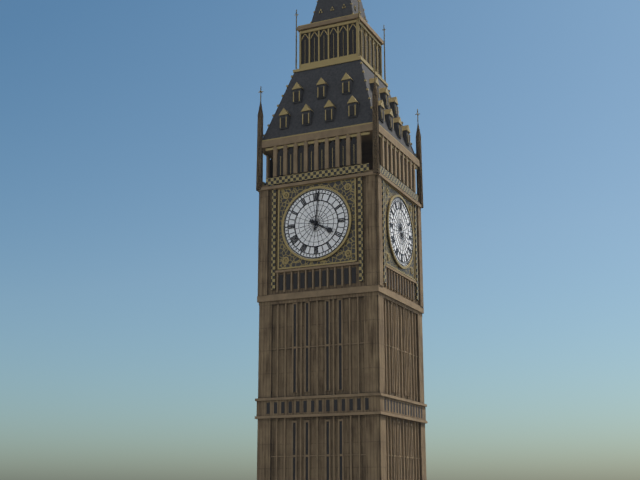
4:01
